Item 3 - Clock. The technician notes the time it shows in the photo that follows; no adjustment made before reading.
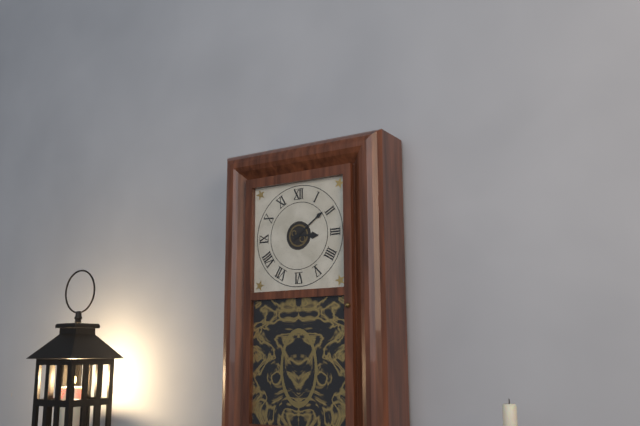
3:09
